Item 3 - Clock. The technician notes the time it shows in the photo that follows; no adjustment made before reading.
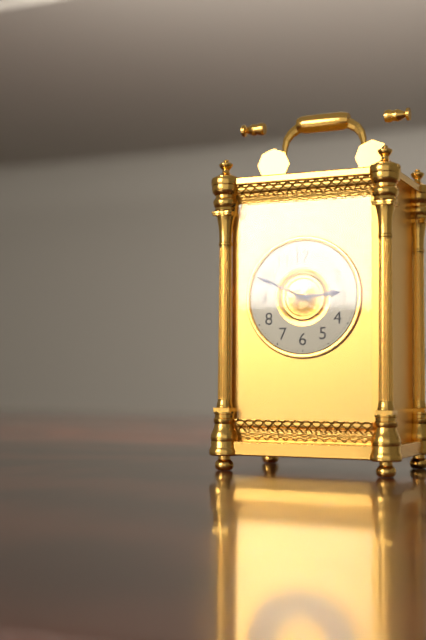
2:49
